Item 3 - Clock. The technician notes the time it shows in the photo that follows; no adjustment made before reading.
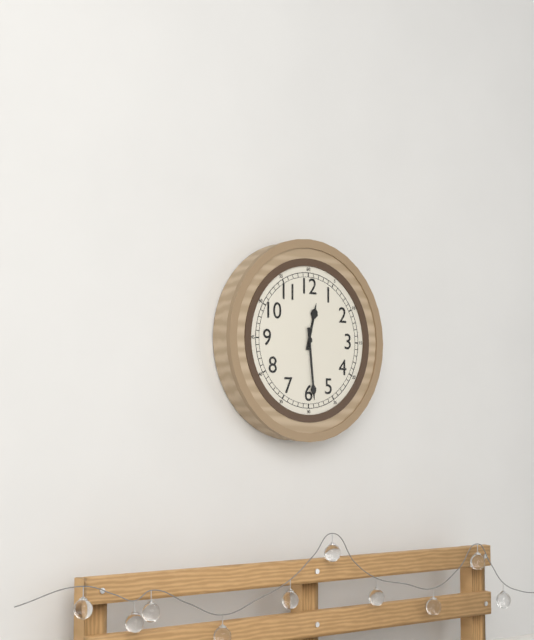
12:29
